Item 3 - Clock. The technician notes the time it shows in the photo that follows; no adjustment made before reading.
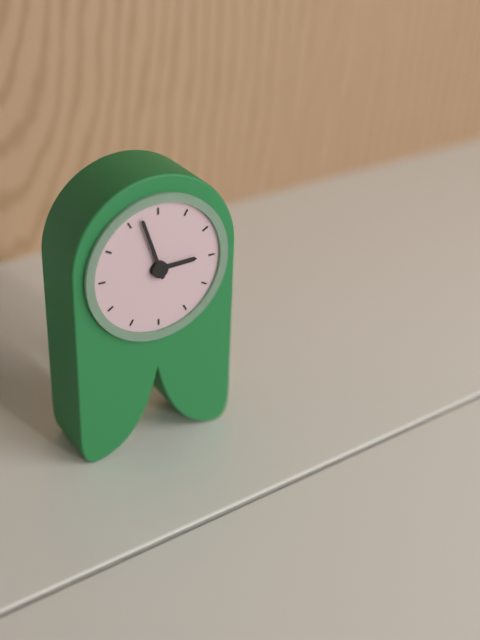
2:57
